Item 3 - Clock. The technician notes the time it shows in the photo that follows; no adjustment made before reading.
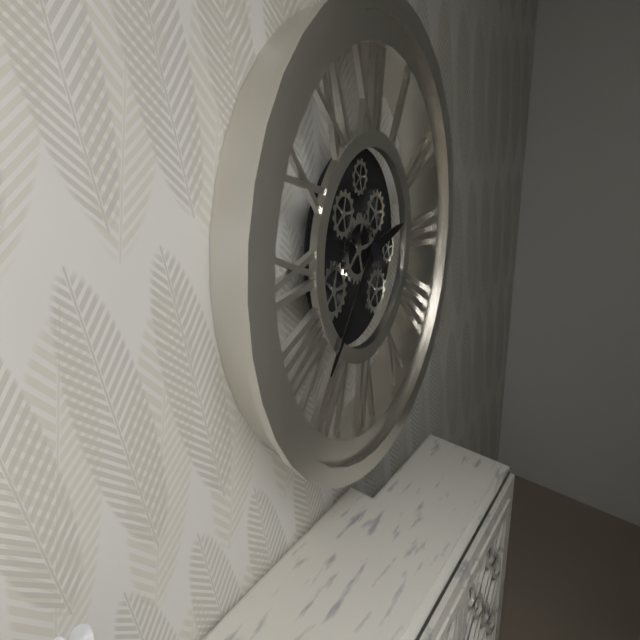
2:37
